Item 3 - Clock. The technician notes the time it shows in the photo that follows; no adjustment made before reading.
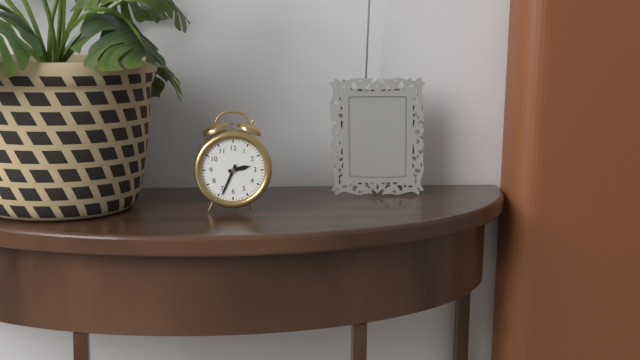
2:34
